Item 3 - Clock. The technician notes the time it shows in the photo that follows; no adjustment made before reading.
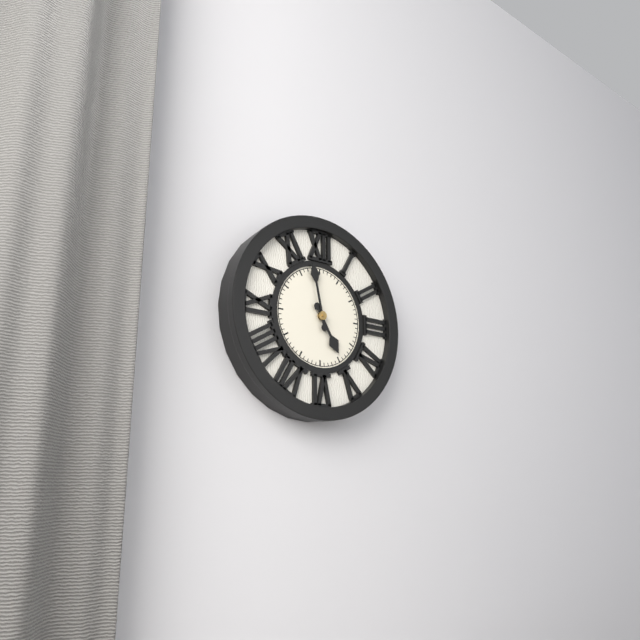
4:58
